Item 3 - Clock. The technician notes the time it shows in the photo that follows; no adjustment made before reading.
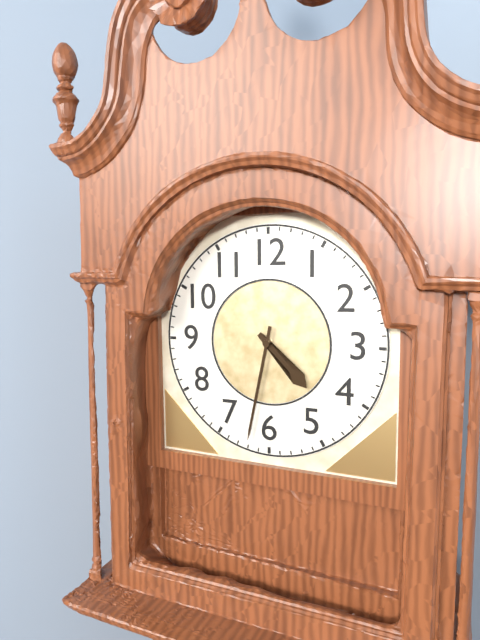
4:32
